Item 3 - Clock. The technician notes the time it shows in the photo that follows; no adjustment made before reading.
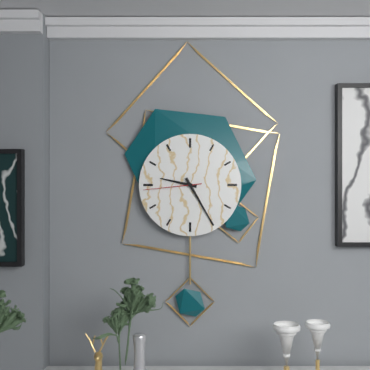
9:25:44
